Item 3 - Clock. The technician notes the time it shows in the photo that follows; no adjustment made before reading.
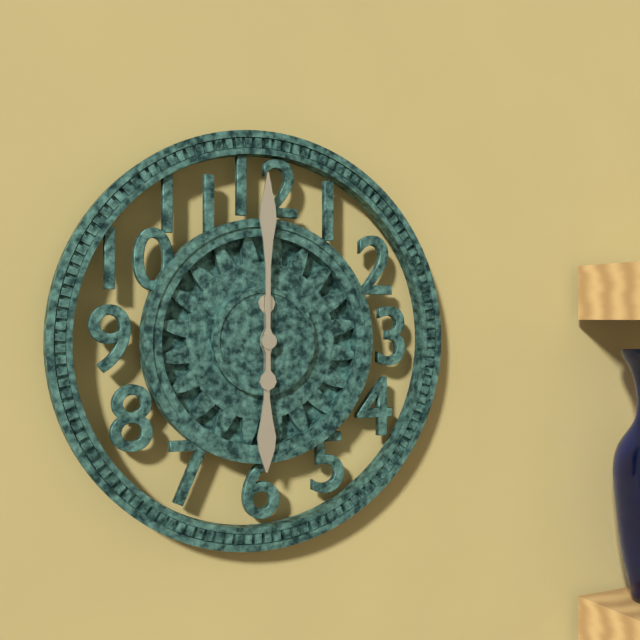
6:00
